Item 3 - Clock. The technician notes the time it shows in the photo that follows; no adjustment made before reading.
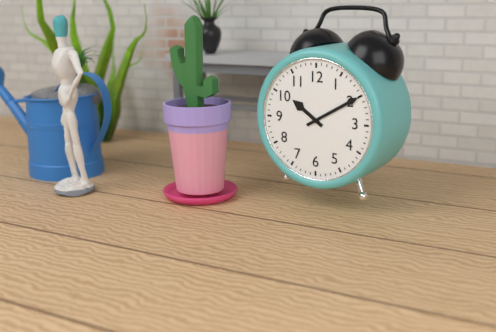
10:10
